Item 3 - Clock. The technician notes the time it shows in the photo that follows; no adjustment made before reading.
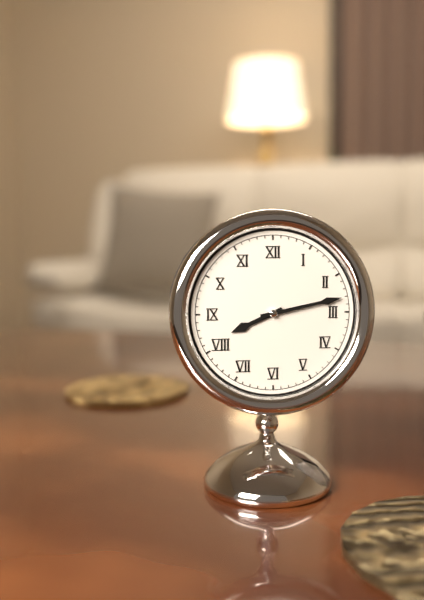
8:13
